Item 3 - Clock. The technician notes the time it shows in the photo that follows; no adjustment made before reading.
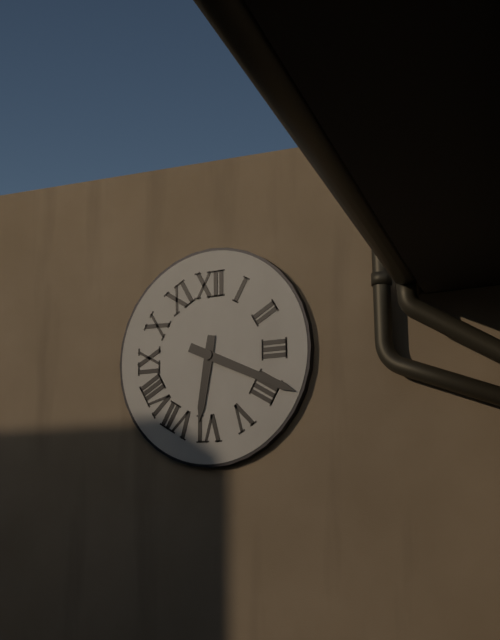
6:19
